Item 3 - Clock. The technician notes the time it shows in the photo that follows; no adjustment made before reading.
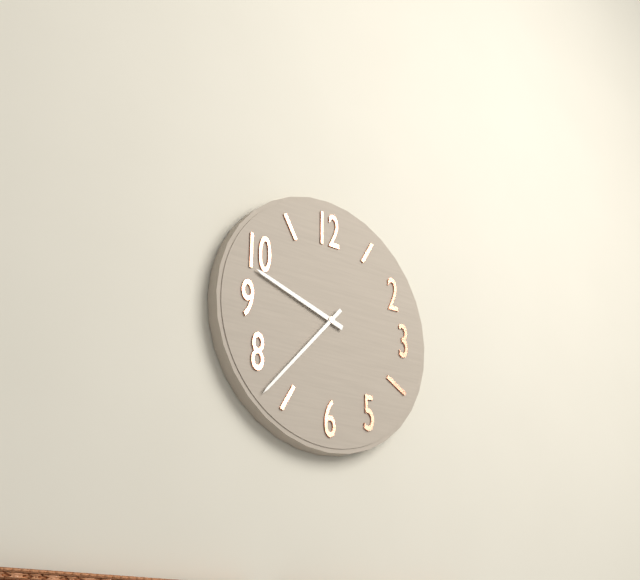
9:37
